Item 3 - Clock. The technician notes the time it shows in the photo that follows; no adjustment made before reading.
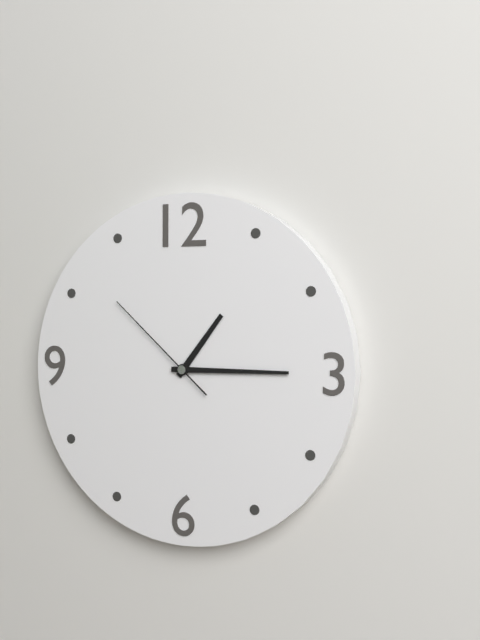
1:15:52
